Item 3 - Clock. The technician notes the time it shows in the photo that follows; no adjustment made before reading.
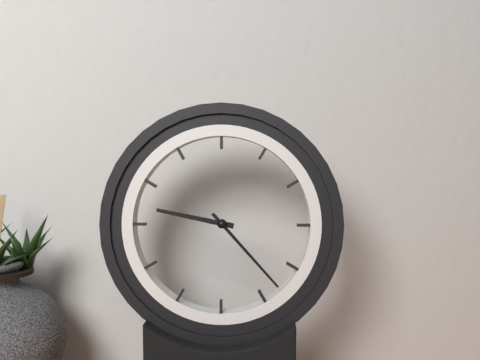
9:23
